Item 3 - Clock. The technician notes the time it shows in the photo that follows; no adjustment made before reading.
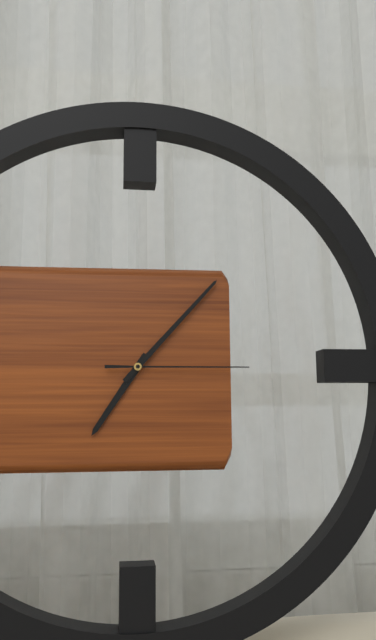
7:07:15
